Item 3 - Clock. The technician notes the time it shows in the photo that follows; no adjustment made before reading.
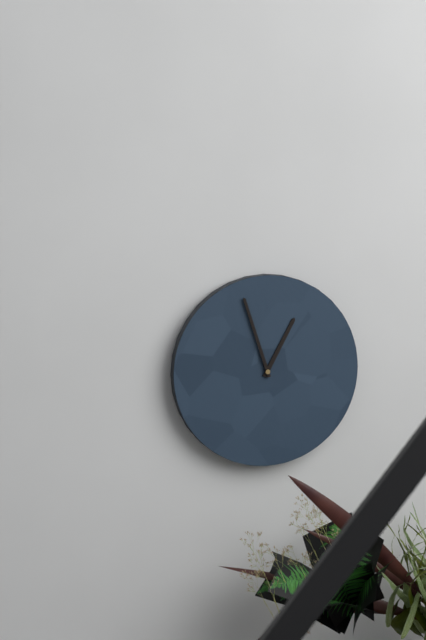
12:57
